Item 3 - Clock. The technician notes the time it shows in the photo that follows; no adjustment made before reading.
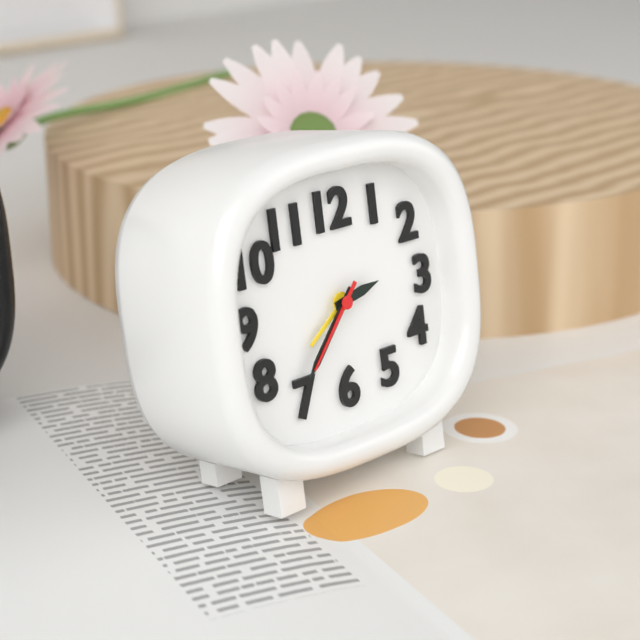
2:37:37
